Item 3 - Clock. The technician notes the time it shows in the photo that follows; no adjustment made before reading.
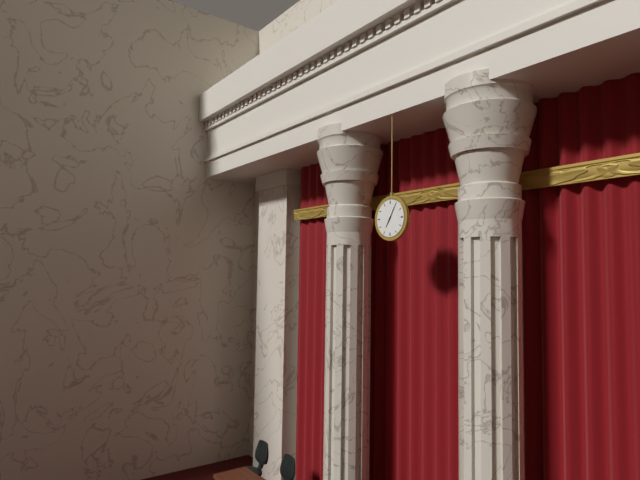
7:05
